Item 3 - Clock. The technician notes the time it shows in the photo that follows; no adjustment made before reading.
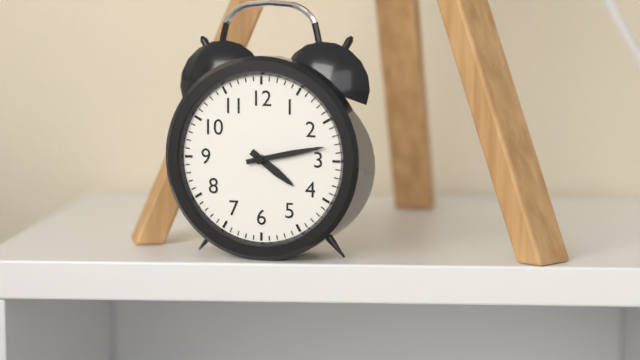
4:13
